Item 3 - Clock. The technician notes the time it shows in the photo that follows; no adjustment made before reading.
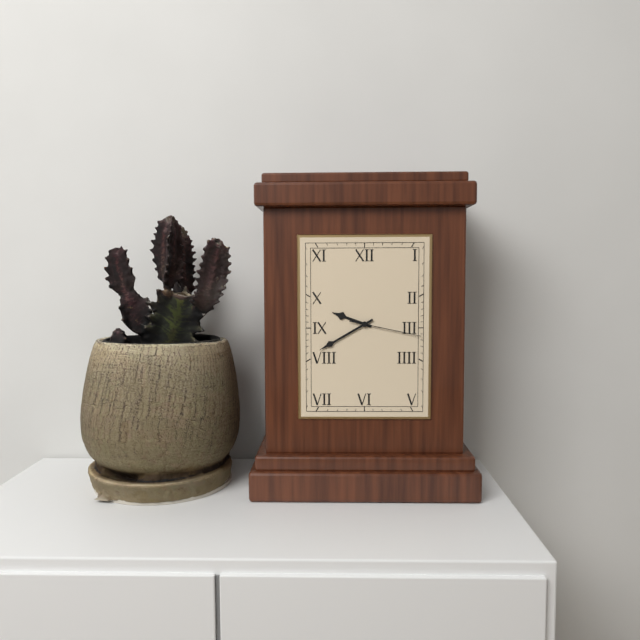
9:40:17
